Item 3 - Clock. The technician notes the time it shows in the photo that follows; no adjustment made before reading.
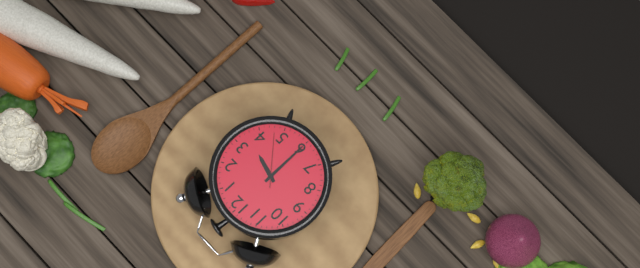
3:30:23
